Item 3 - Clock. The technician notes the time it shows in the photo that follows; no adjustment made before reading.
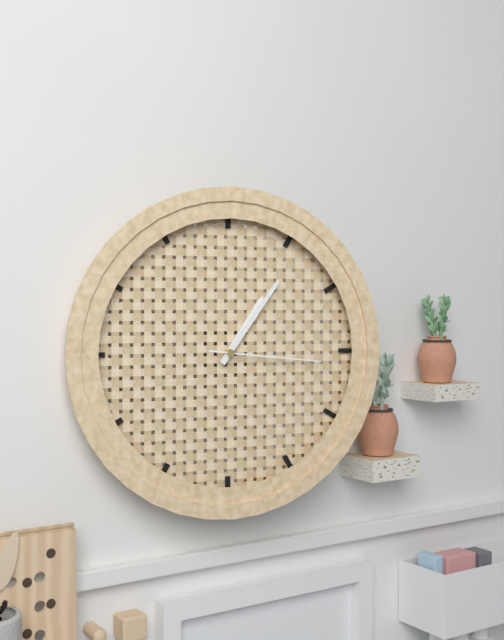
1:06:16
